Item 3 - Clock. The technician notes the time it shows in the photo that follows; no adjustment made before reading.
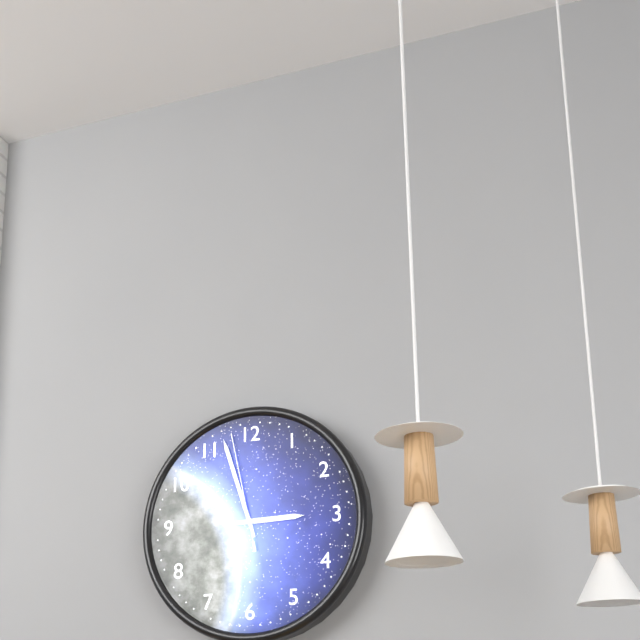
2:57:58
